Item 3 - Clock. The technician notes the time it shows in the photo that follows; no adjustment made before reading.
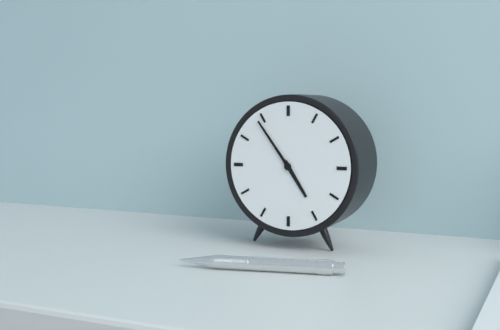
4:54
